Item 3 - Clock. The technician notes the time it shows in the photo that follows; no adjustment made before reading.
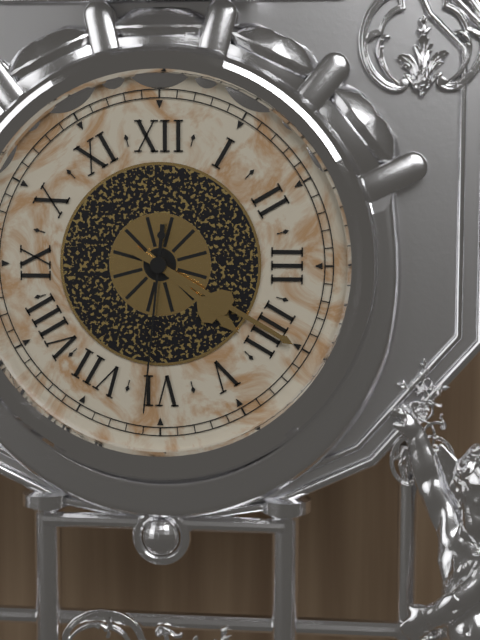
4:20:31
